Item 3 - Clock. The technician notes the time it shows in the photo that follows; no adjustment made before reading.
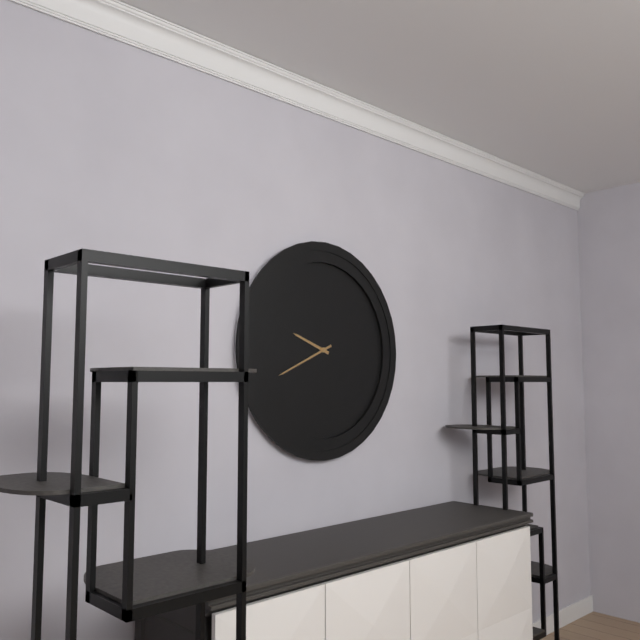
9:41
